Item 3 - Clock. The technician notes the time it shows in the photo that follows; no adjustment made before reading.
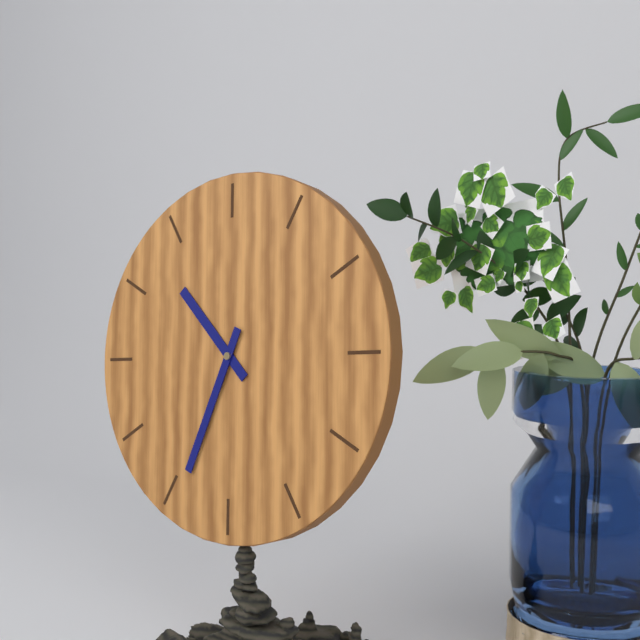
10:34
